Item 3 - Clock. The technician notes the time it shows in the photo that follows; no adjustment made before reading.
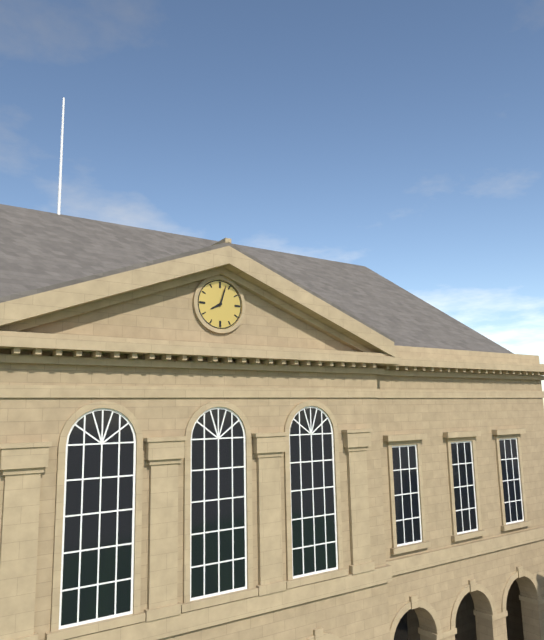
8:03
